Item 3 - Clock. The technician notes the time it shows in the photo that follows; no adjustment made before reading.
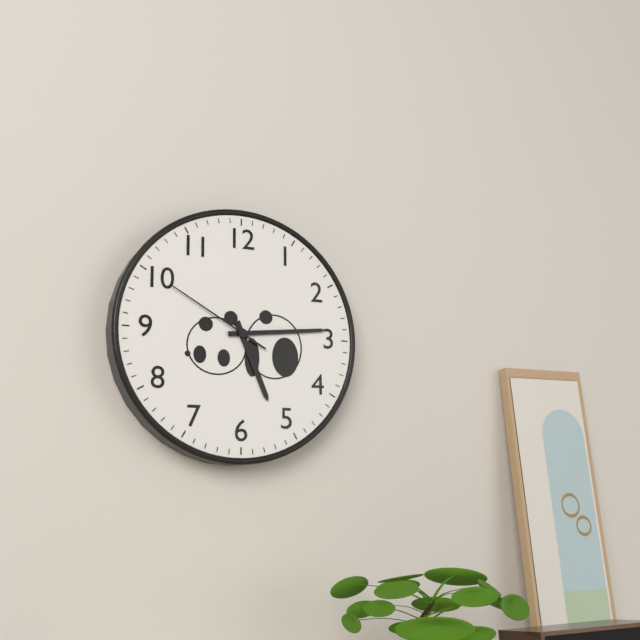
5:14:50
